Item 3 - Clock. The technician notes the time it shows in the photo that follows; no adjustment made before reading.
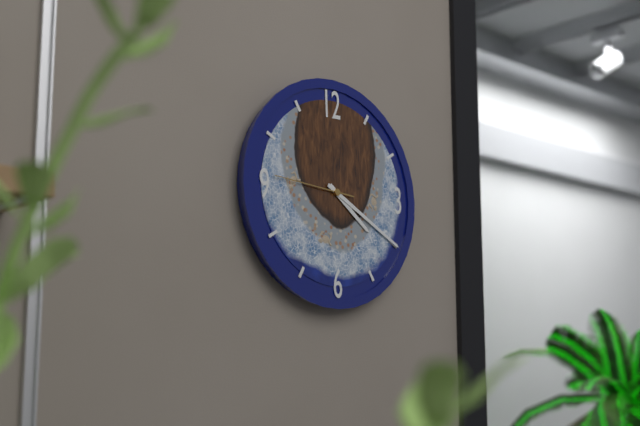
4:20:46
